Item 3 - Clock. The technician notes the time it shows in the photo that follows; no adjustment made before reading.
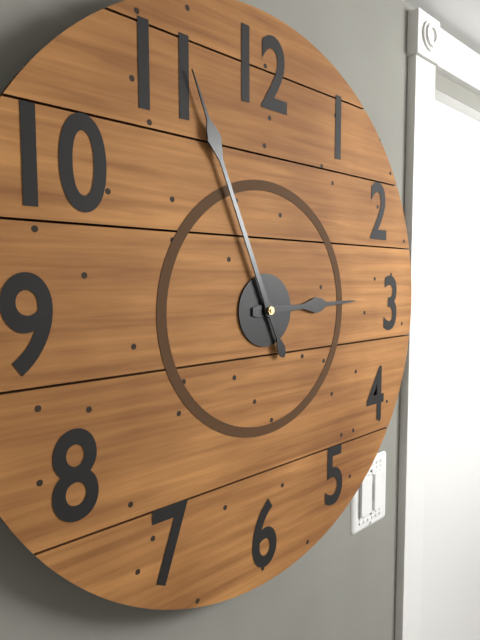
2:56
